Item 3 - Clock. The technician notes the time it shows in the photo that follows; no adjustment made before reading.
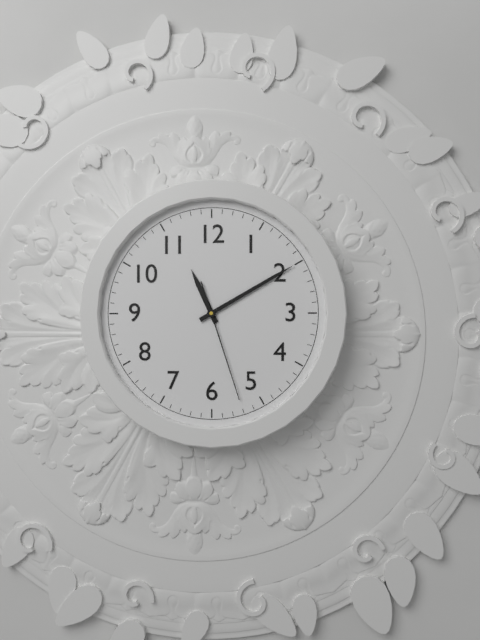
11:10:27
